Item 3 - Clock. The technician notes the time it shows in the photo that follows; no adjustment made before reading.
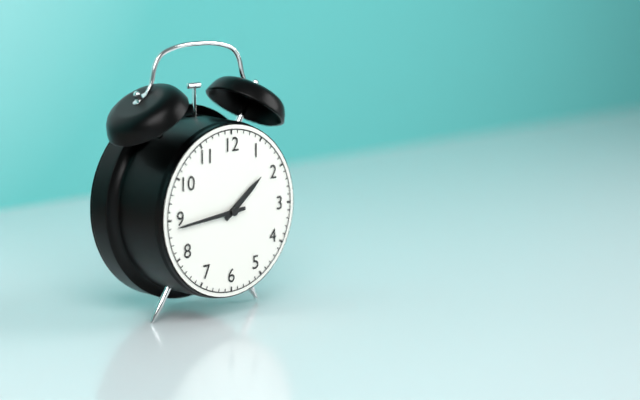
1:44
